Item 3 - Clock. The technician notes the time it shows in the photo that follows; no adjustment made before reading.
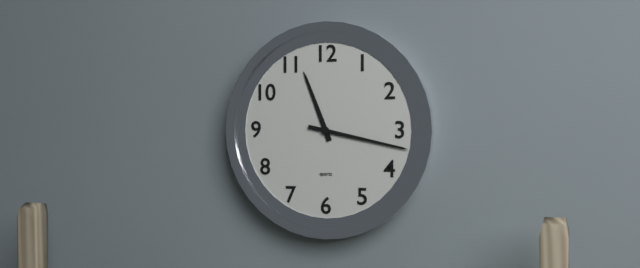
11:17
